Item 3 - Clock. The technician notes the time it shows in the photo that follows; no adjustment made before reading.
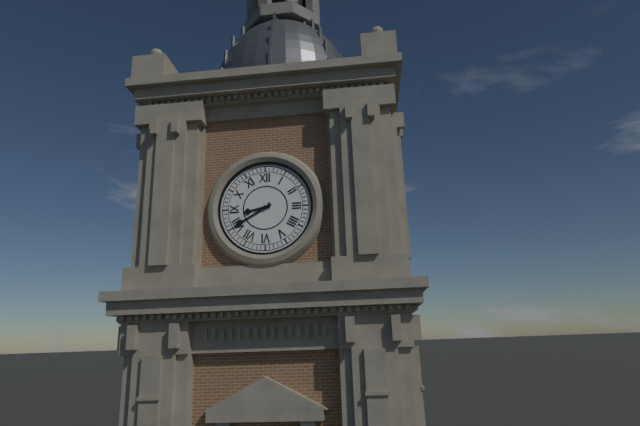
8:40
